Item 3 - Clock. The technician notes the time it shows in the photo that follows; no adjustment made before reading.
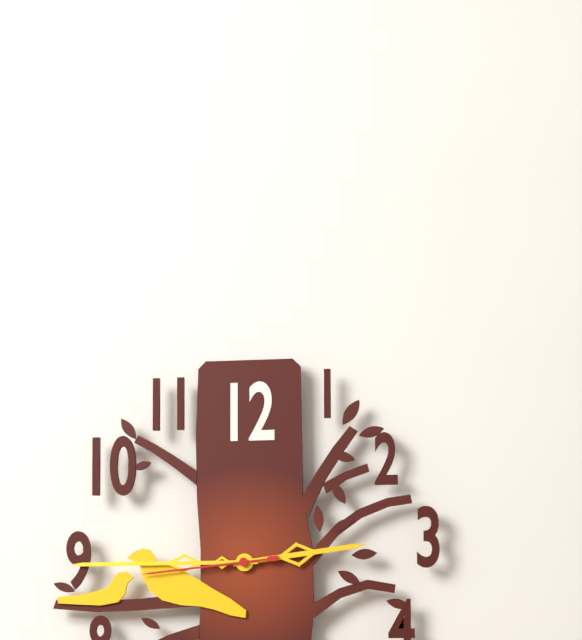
2:45:44
